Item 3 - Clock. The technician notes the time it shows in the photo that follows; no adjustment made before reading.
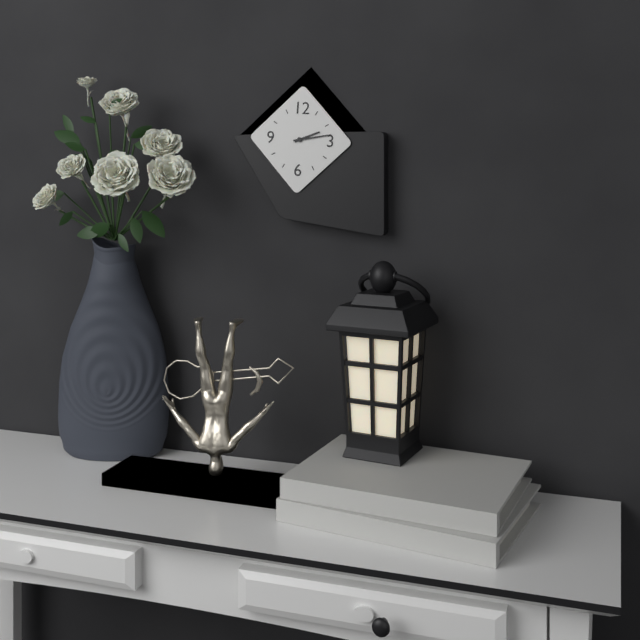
2:13
